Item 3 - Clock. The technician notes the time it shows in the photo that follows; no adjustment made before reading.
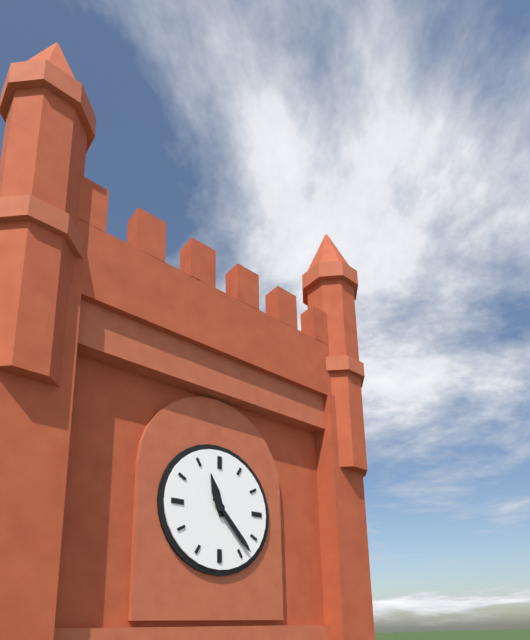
11:23
